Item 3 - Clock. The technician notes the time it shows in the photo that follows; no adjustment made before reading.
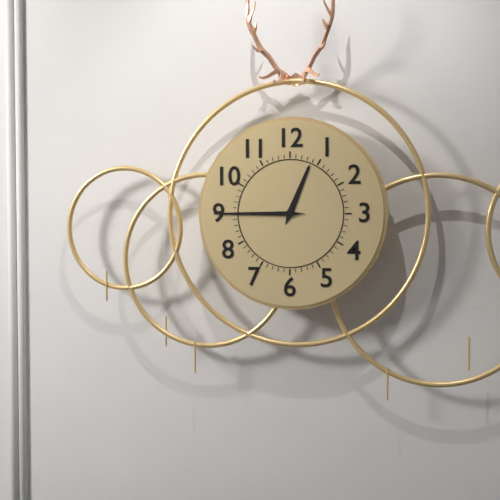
12:45
